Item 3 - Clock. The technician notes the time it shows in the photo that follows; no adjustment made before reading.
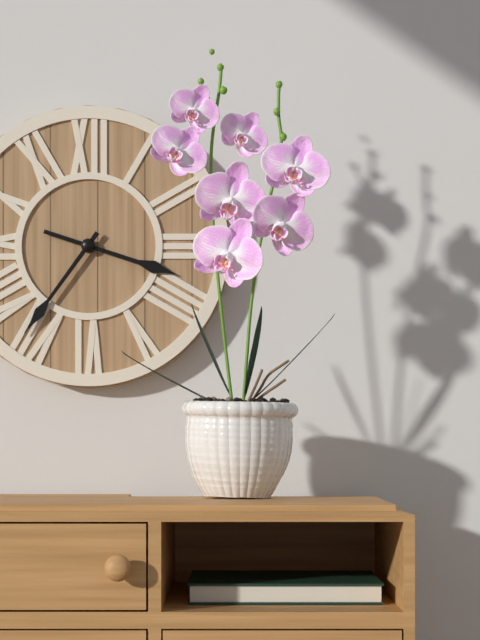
3:36
